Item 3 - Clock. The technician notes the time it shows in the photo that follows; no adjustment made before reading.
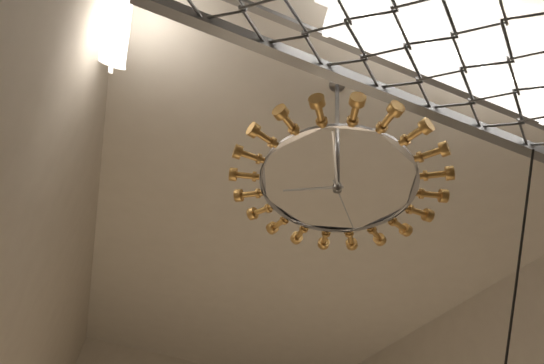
7:55:23
